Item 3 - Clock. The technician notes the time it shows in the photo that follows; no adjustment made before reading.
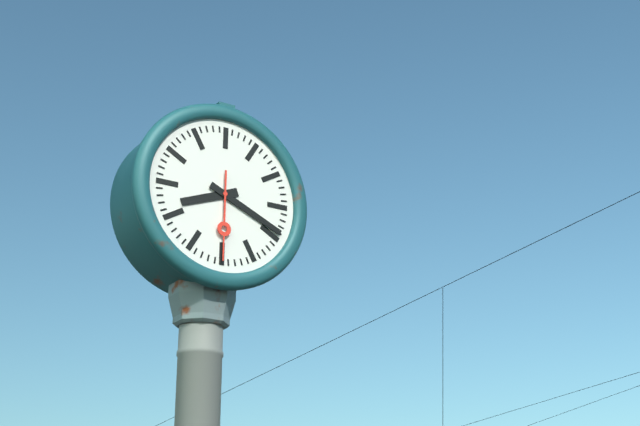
8:19:30
